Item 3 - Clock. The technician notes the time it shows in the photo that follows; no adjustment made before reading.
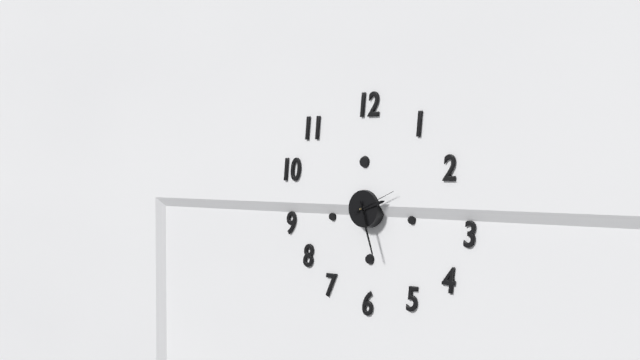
2:27
